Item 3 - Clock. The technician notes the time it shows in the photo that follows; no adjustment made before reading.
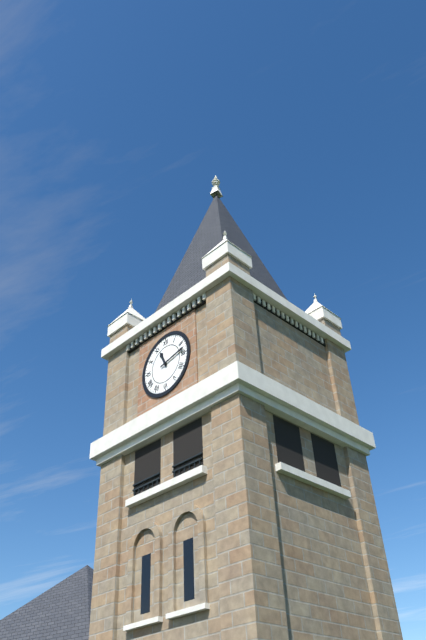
11:13
